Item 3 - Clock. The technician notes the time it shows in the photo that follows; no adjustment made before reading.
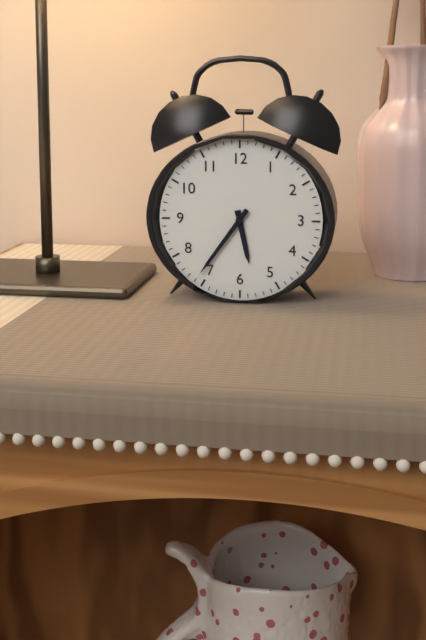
5:36
